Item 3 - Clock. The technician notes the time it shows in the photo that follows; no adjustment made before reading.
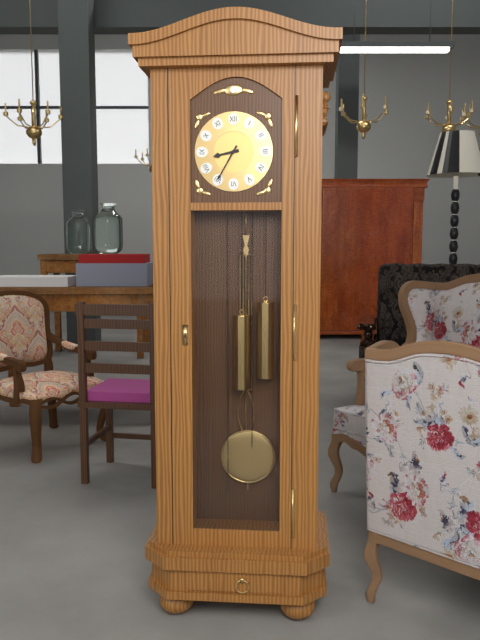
8:35
